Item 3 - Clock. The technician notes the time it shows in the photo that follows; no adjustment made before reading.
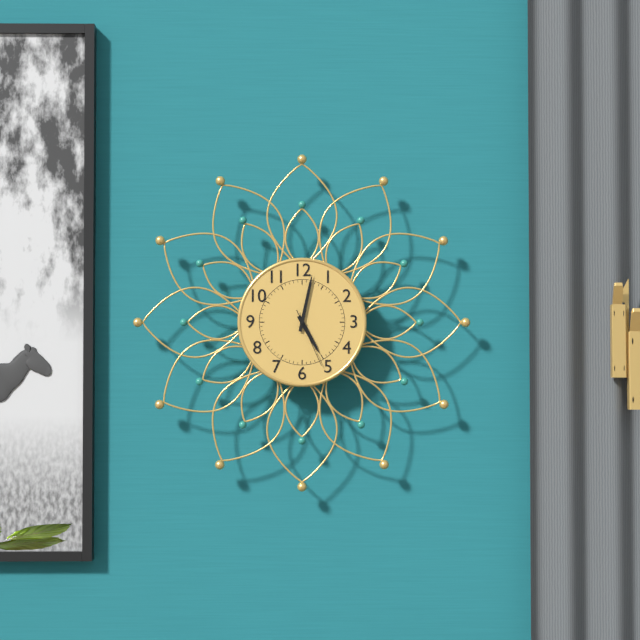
5:02:26
